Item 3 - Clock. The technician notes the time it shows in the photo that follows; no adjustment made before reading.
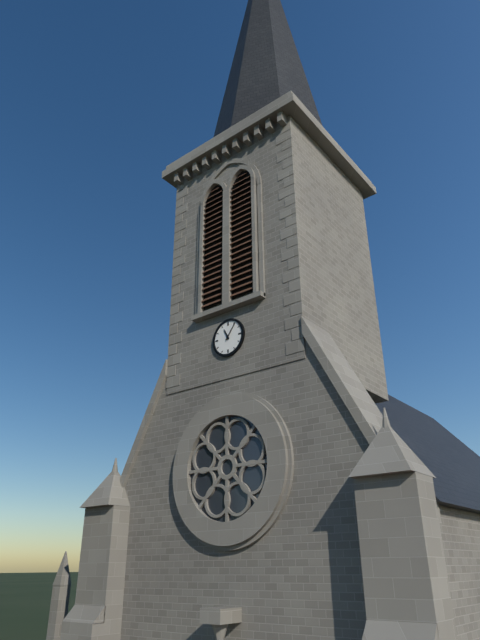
11:06
